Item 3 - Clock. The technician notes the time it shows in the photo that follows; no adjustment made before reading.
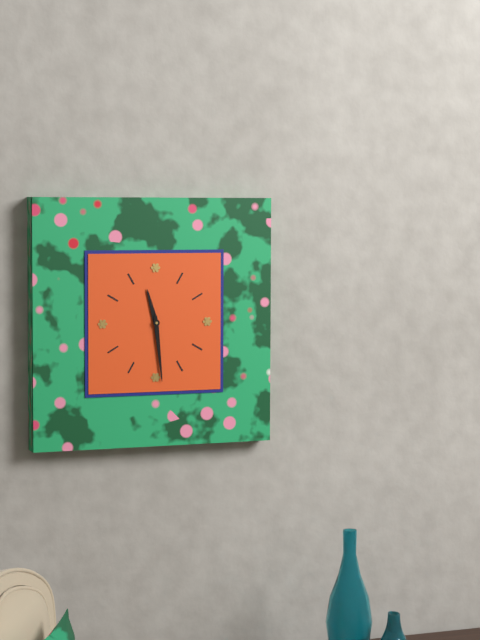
11:29
